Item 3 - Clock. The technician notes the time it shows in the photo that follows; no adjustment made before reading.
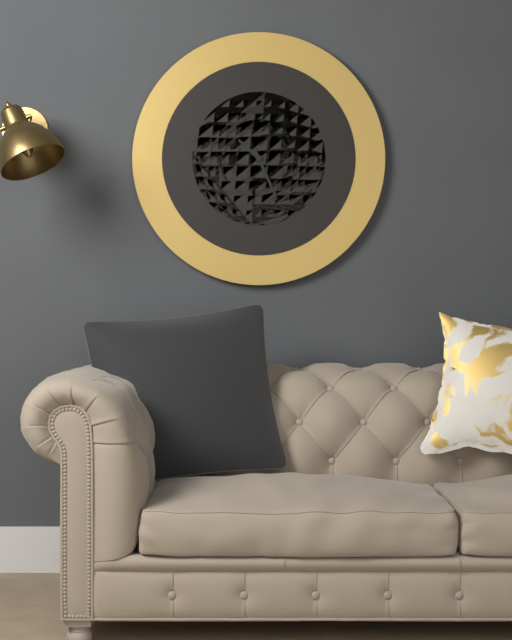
10:26
